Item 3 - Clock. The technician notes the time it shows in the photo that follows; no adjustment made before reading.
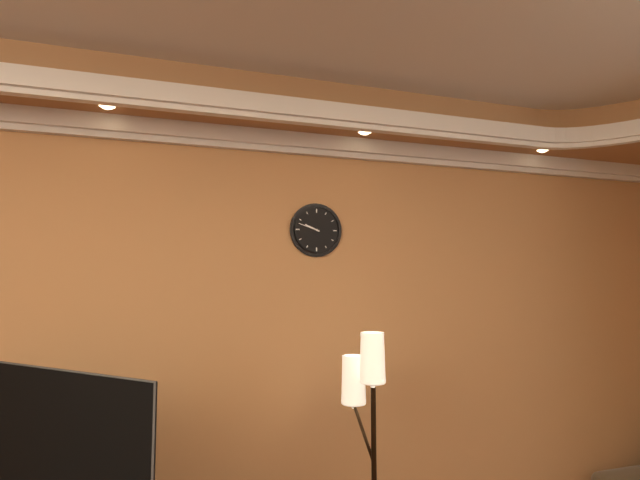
9:48
